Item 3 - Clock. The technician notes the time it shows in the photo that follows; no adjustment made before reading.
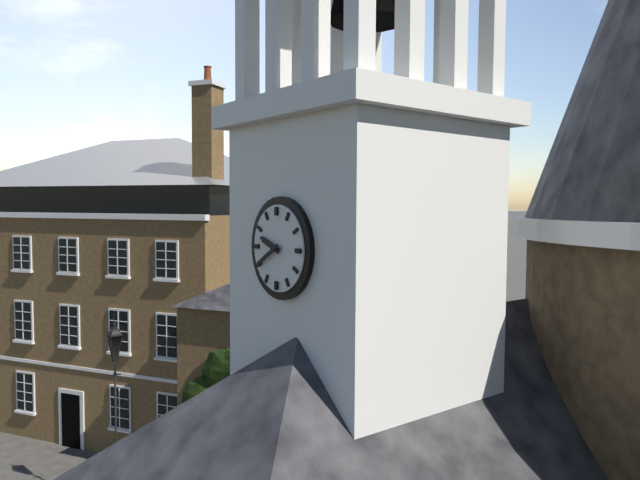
9:40
